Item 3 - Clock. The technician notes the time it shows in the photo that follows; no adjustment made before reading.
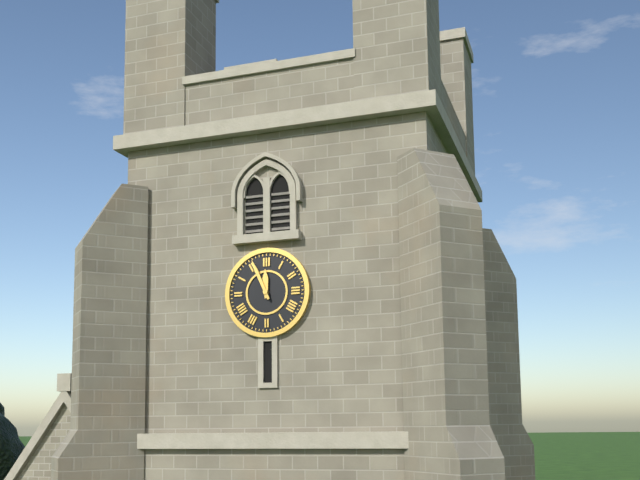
11:56
